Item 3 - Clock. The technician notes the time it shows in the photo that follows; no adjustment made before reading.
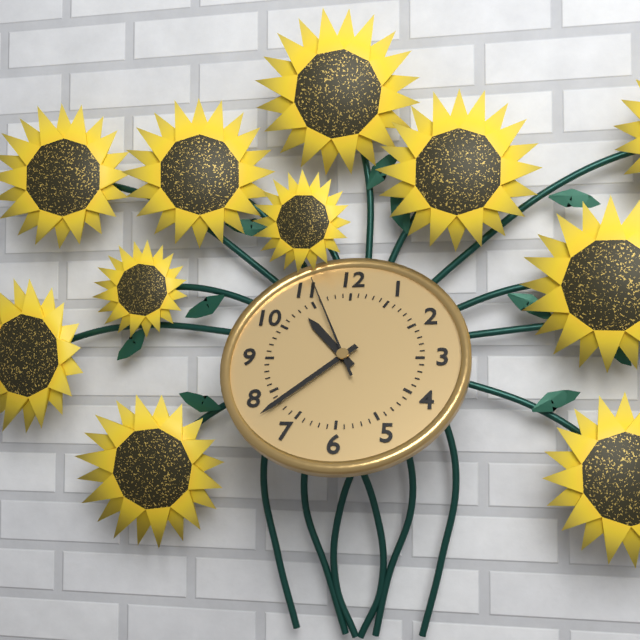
10:38:56
